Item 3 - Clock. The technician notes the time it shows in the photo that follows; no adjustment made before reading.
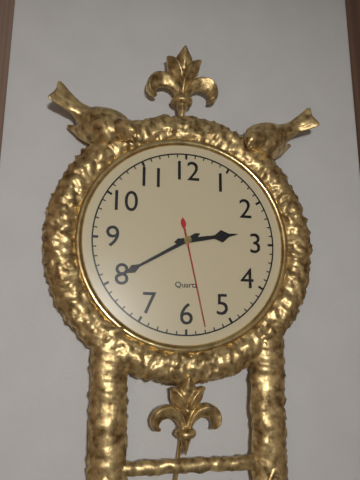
2:40:28
